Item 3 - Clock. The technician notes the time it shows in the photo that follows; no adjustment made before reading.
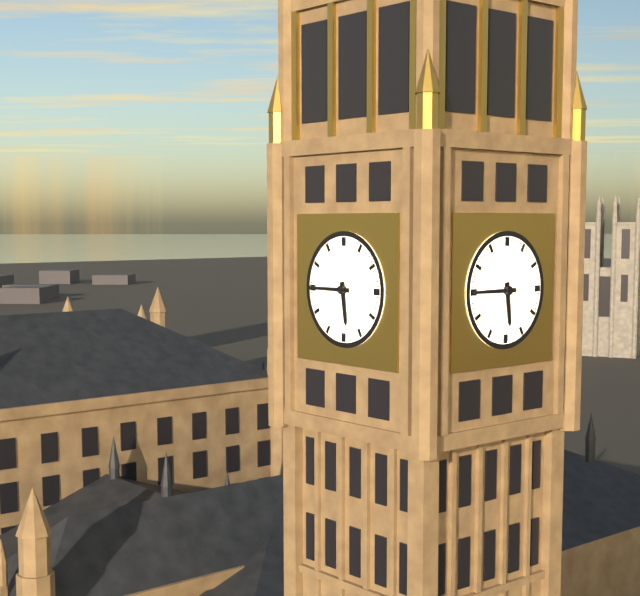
5:45
